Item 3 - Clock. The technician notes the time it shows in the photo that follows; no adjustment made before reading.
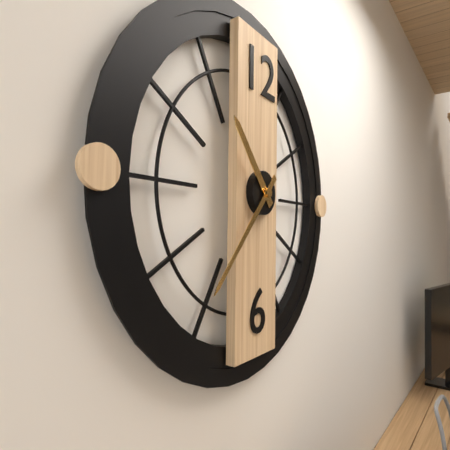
10:37
